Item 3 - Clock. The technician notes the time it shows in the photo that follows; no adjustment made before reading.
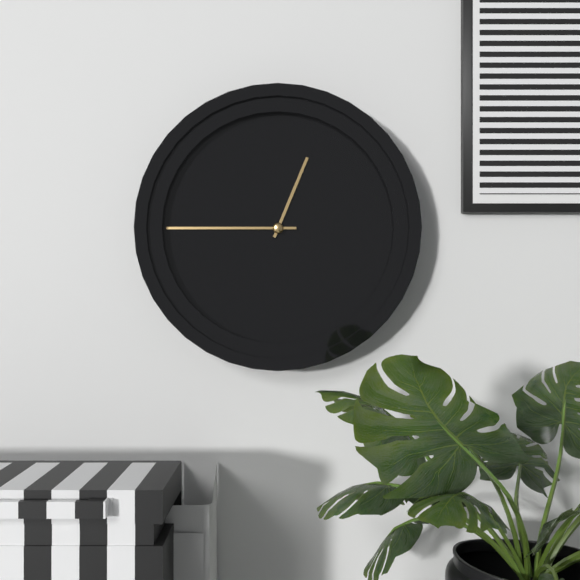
12:45
